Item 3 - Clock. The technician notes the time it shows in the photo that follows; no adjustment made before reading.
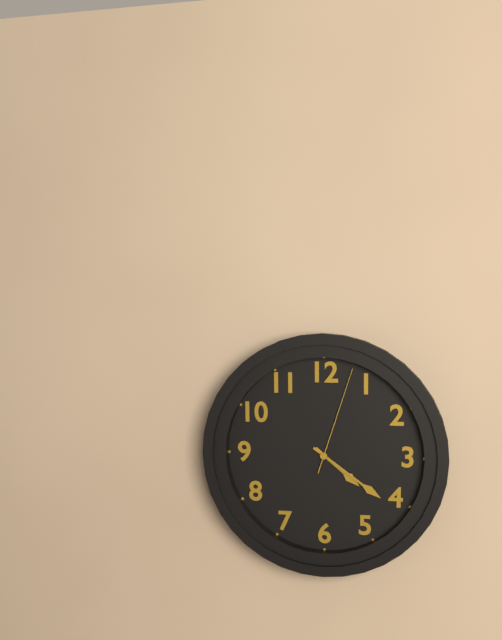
4:21:03
